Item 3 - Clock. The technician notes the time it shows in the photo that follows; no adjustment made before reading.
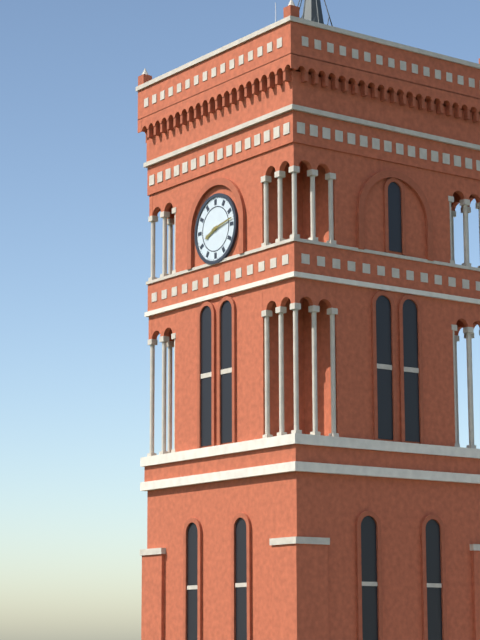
8:13
